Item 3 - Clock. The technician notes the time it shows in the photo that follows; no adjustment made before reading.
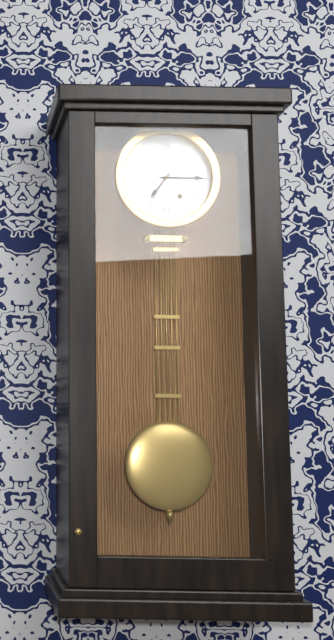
7:15
